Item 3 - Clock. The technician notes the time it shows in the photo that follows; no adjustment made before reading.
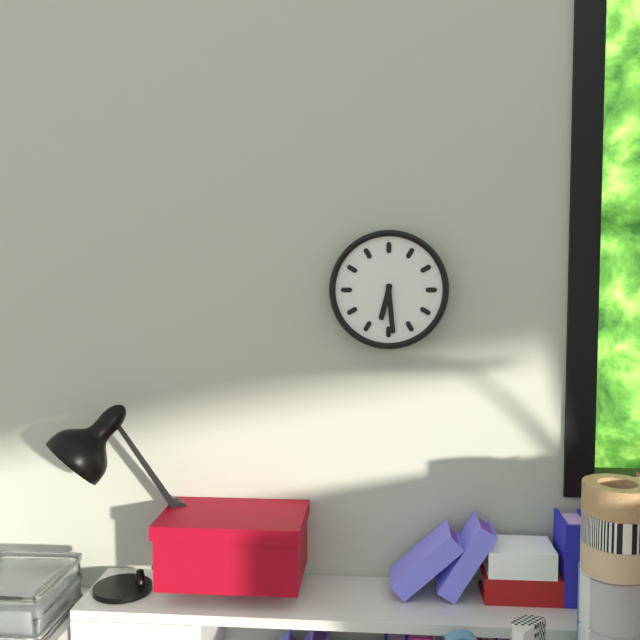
6:29
